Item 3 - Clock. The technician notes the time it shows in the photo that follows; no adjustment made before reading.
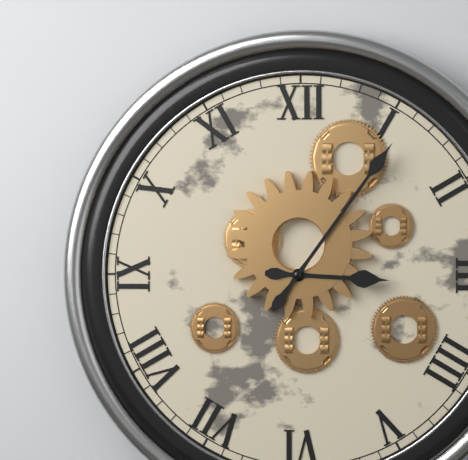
3:06
